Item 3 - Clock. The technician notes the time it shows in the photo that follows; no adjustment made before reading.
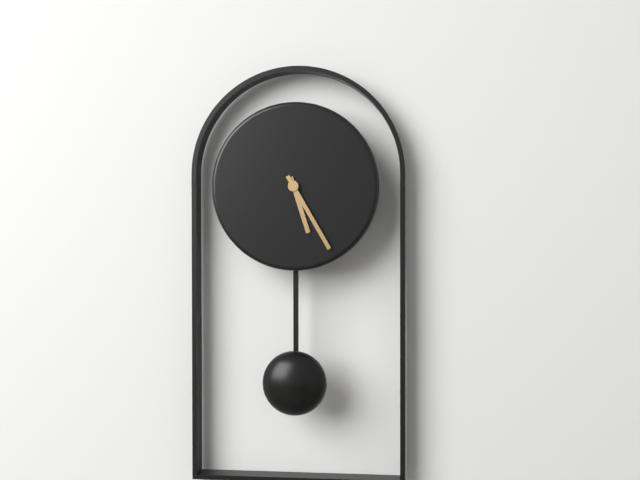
5:25
